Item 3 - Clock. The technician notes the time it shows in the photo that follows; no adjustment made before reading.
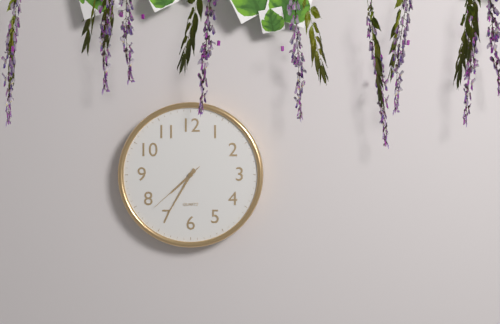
7:35:38
